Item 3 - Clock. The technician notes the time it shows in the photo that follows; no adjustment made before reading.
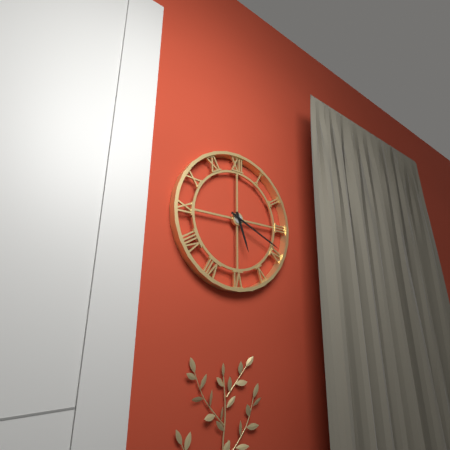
5:19
